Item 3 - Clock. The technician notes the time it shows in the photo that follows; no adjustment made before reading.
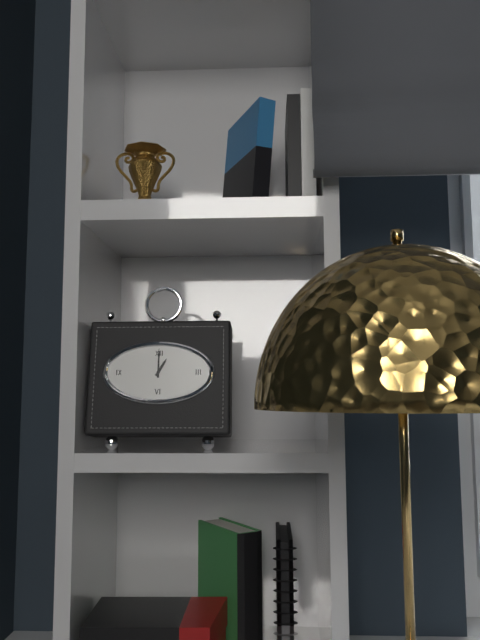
1:00
